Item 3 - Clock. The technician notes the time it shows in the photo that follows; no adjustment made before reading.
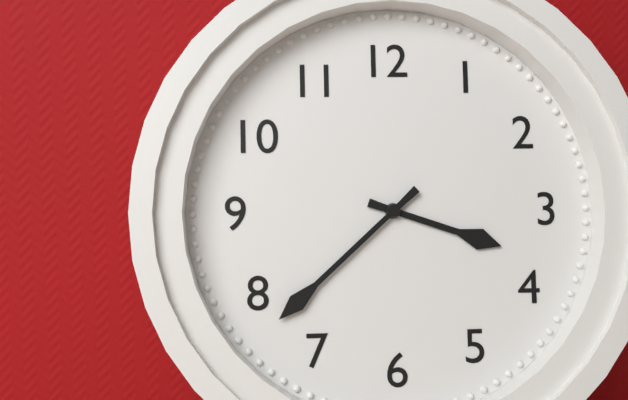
3:38
